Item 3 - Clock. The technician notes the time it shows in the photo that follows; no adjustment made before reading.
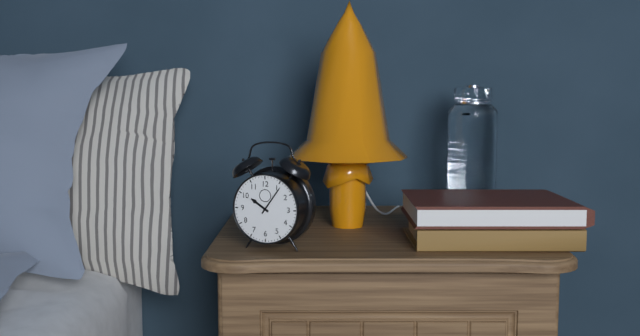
10:06
